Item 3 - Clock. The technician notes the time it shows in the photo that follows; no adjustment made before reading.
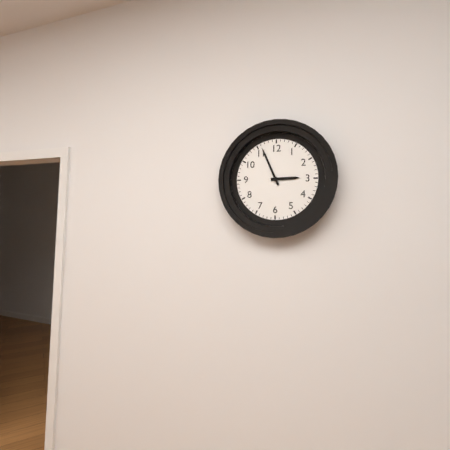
2:56
